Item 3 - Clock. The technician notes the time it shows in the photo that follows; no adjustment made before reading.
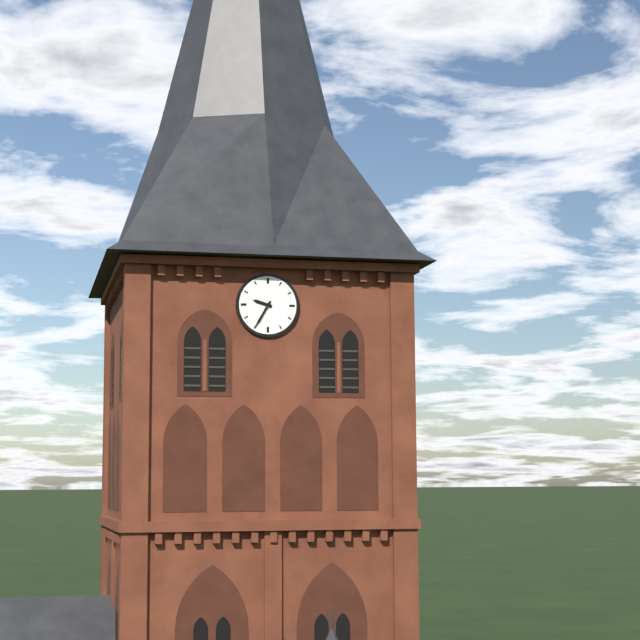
9:35
